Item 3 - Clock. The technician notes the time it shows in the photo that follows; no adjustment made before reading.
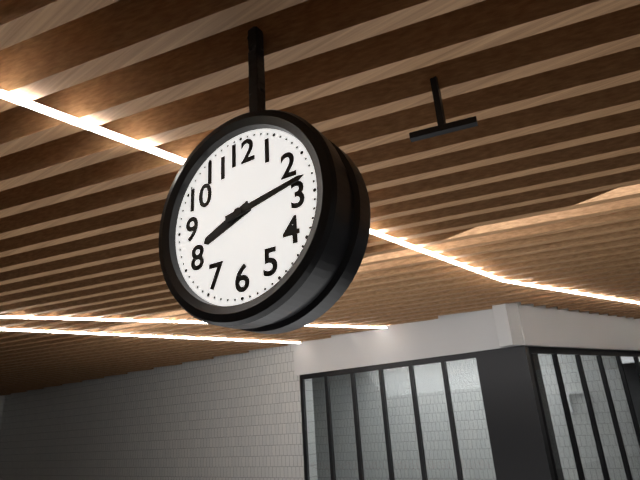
8:13
